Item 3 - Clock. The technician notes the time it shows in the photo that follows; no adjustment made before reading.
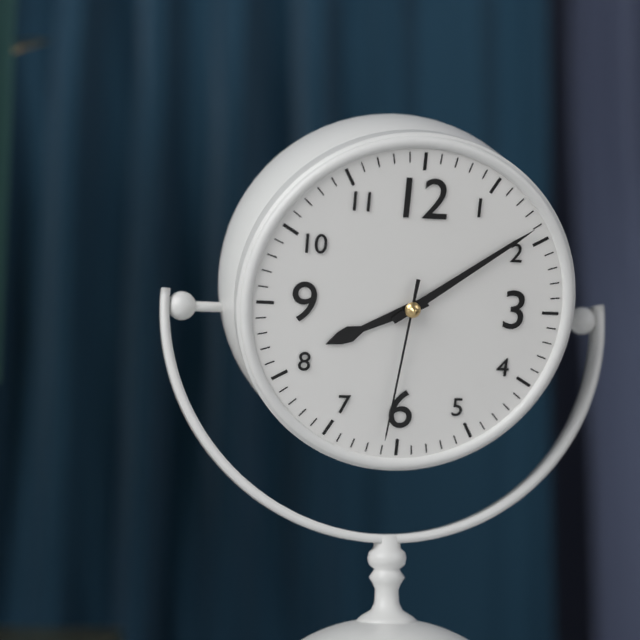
8:09:31
